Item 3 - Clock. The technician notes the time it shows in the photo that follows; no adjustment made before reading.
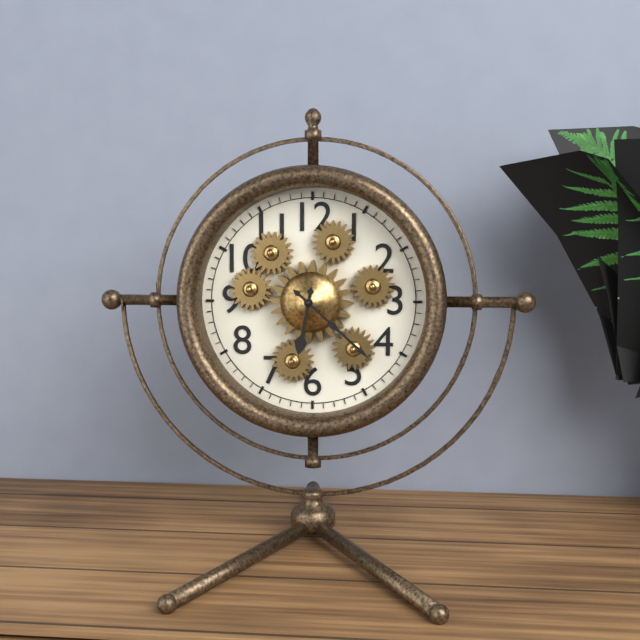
6:22
